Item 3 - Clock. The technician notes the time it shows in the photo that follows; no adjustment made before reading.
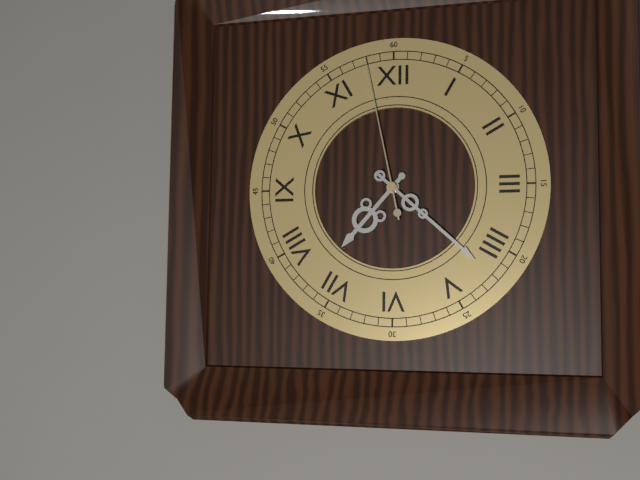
7:22:58
